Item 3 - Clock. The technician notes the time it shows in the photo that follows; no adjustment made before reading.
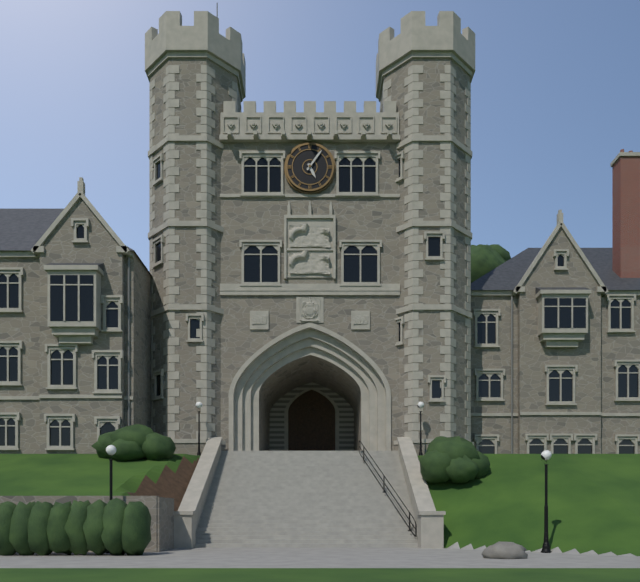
5:06
